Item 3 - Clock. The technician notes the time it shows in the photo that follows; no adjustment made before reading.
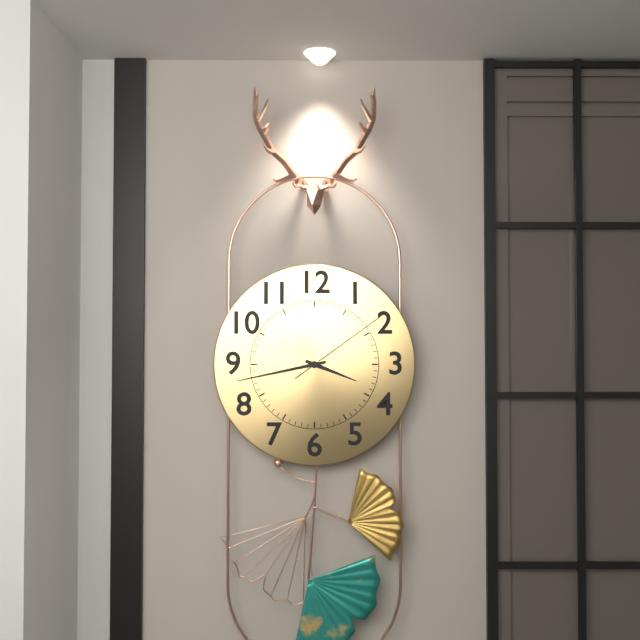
3:43:09
